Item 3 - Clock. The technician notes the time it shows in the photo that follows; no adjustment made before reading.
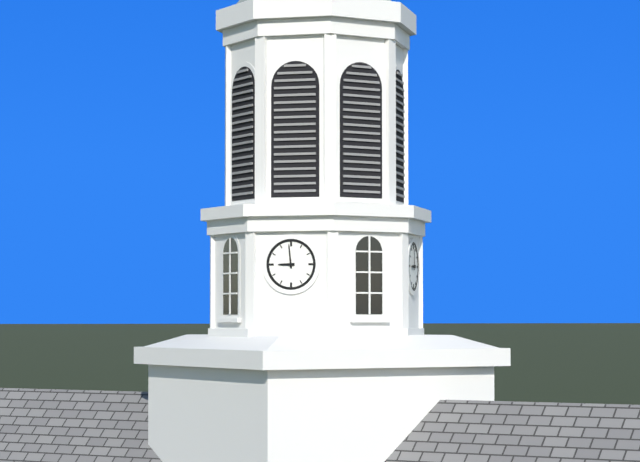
8:59
